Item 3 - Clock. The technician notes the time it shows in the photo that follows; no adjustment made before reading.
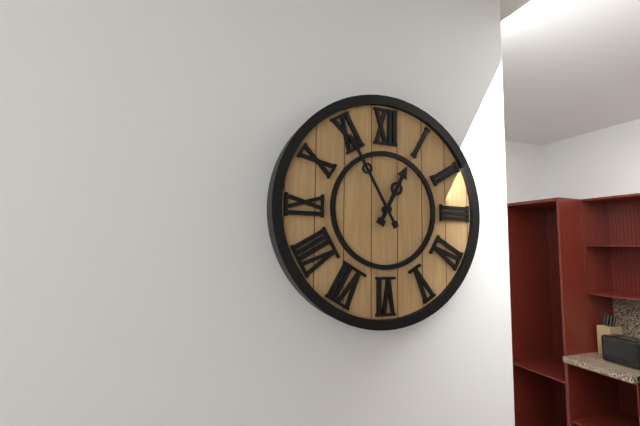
12:55
